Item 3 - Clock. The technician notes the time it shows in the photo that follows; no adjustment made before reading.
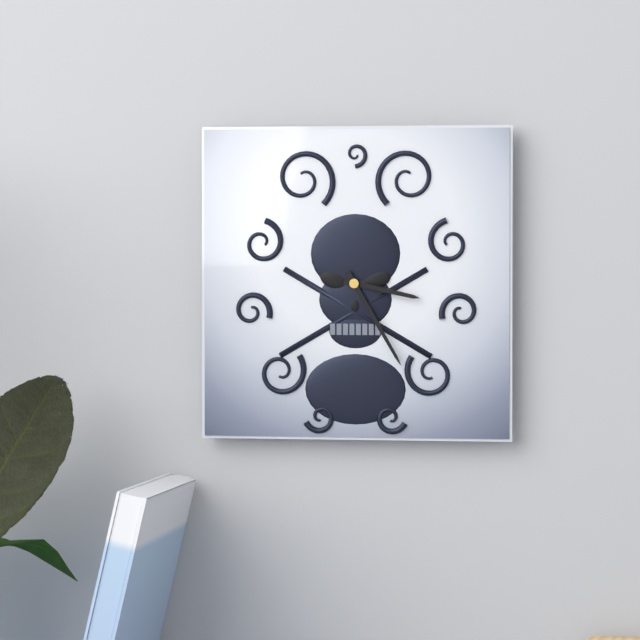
3:25
